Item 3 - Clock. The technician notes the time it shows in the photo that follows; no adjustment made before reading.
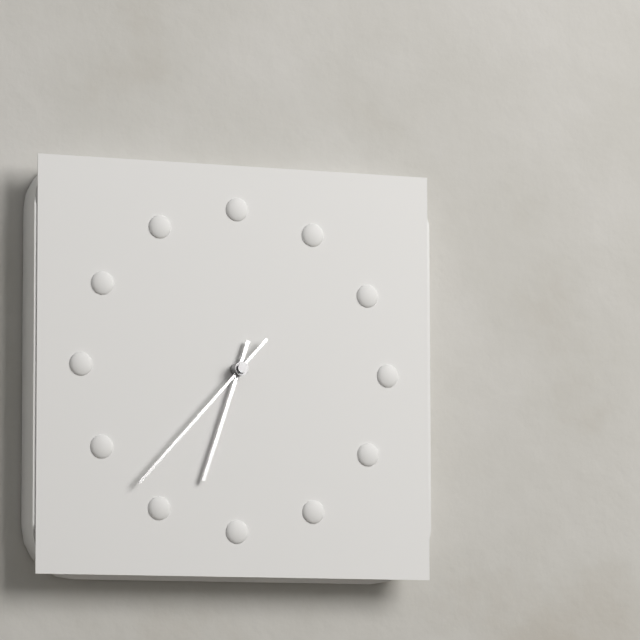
6:37
